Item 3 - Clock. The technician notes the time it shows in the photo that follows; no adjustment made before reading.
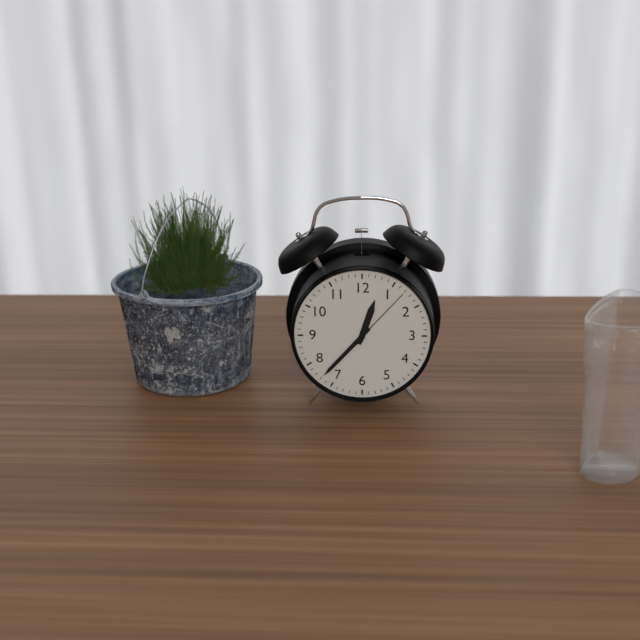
12:37:07
